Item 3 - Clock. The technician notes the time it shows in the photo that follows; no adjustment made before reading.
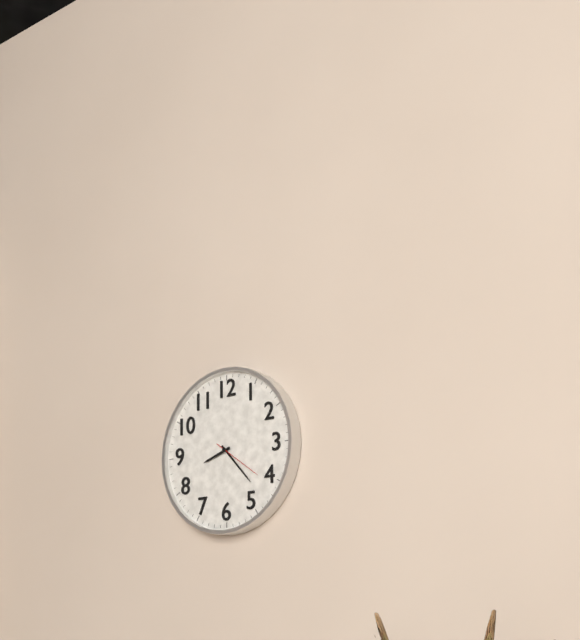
8:23:21
